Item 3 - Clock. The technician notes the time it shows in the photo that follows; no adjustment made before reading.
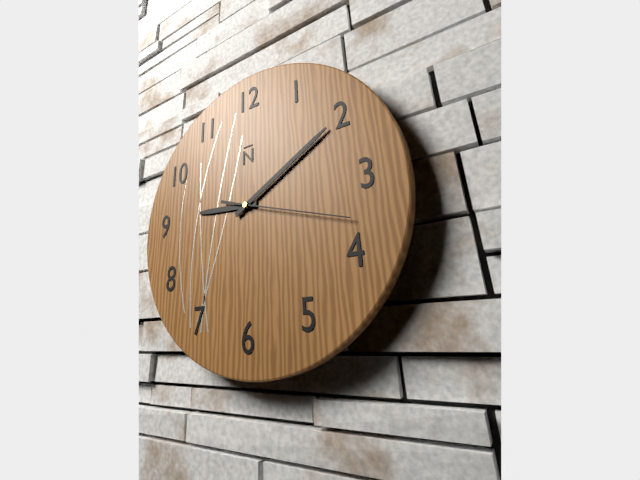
9:10:18
